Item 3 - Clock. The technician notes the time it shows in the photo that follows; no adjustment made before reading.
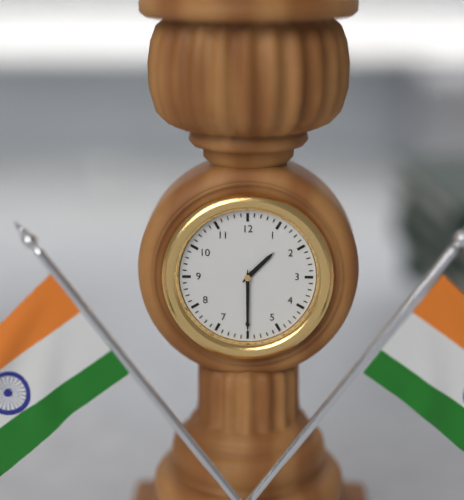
1:30
